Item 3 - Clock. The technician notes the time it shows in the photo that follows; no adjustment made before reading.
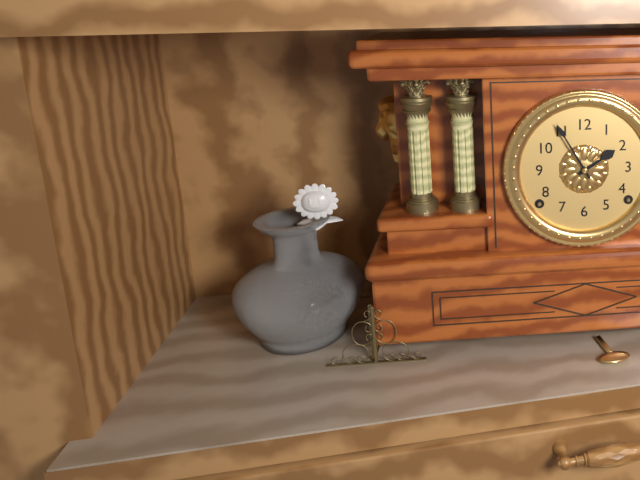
1:55
